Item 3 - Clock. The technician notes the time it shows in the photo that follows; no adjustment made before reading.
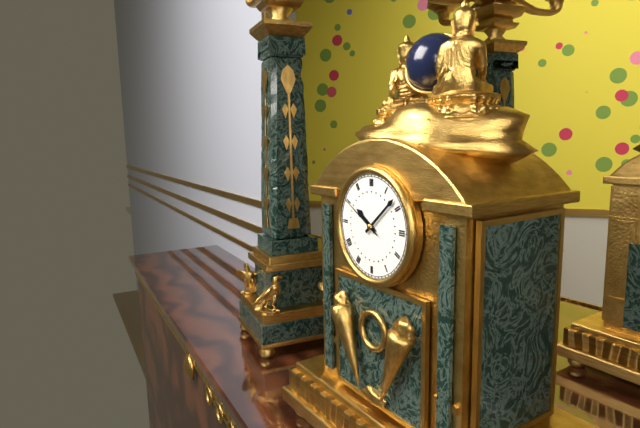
10:08:50
